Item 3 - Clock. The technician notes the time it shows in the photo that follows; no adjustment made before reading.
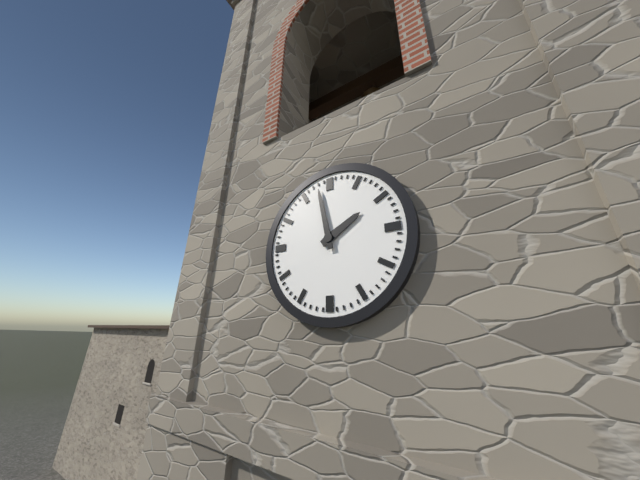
1:58
